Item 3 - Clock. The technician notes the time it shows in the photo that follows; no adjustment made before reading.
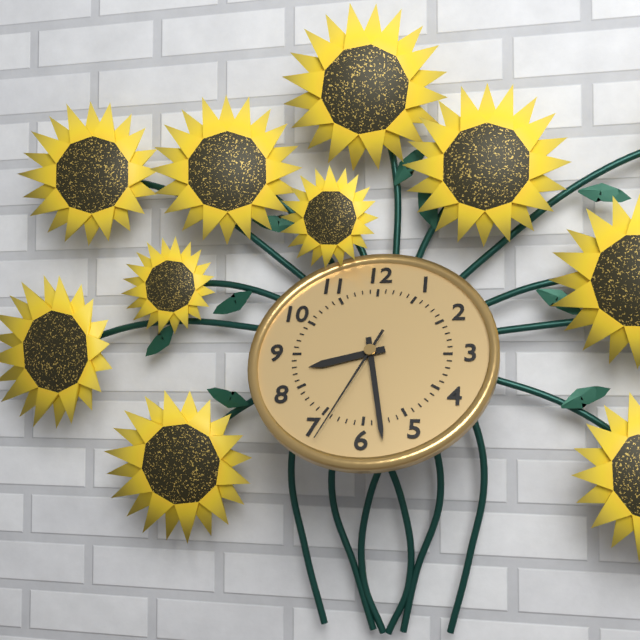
8:28:34
